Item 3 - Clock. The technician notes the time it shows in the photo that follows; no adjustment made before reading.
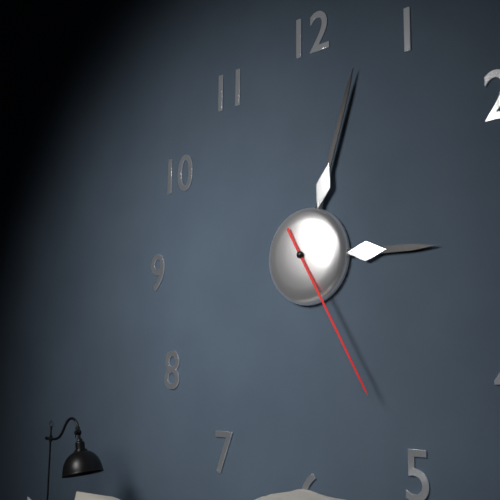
3:03:25
